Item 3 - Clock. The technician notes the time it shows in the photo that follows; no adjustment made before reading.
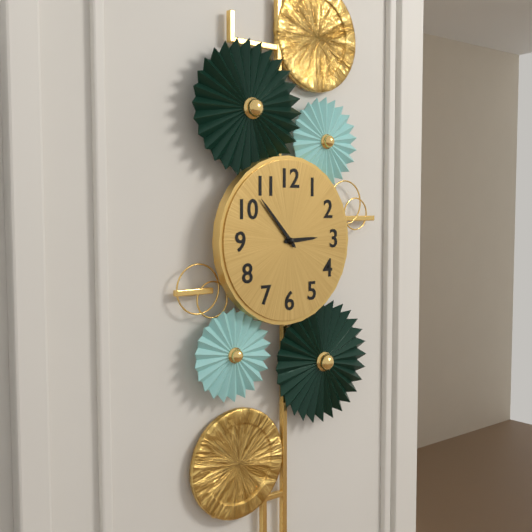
2:53
